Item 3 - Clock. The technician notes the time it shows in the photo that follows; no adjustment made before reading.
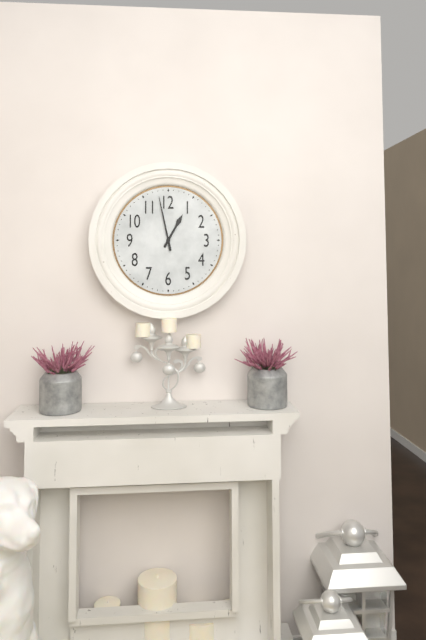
12:58
